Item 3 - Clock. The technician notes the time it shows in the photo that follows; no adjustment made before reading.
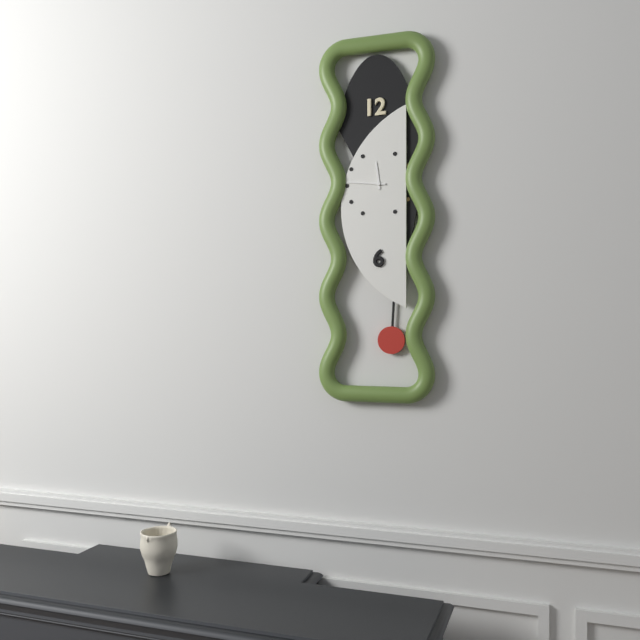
11:46
